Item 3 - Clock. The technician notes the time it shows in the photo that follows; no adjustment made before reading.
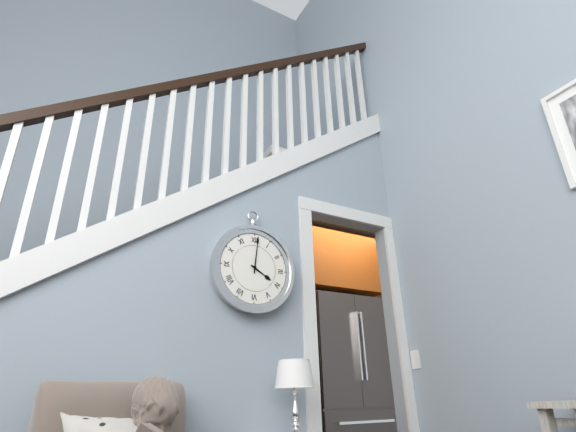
4:01
